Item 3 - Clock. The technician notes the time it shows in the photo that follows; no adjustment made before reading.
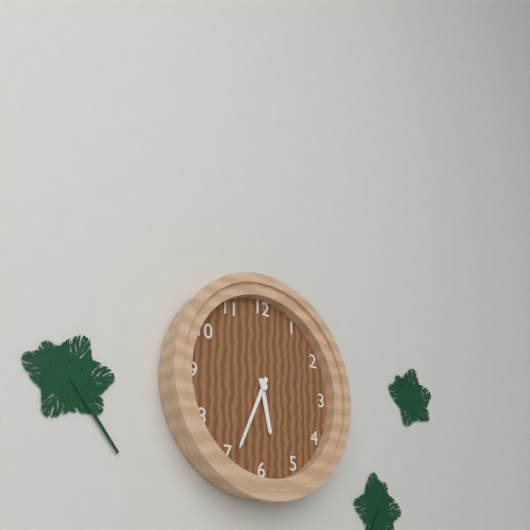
5:34
